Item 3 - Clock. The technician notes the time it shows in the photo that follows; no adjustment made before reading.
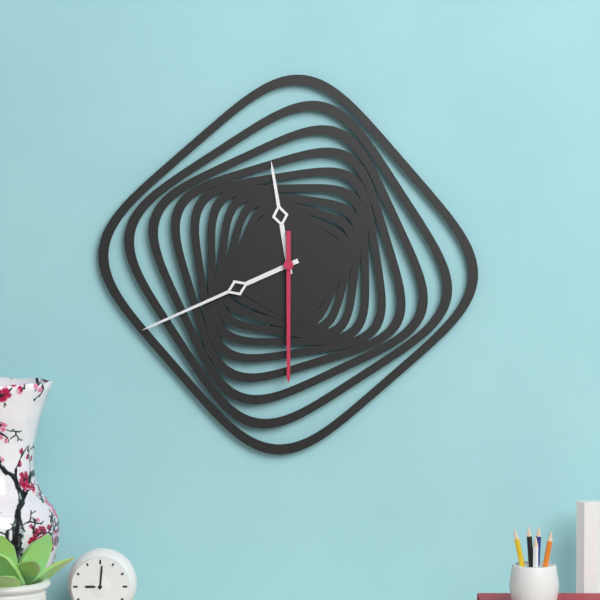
11:41:30
